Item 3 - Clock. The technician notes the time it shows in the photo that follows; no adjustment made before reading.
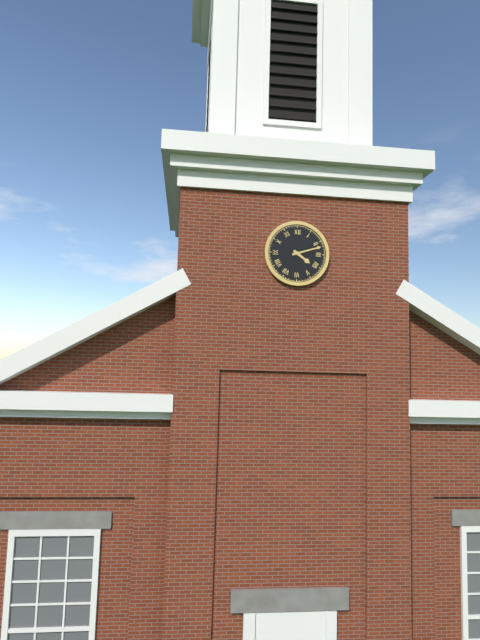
4:12
